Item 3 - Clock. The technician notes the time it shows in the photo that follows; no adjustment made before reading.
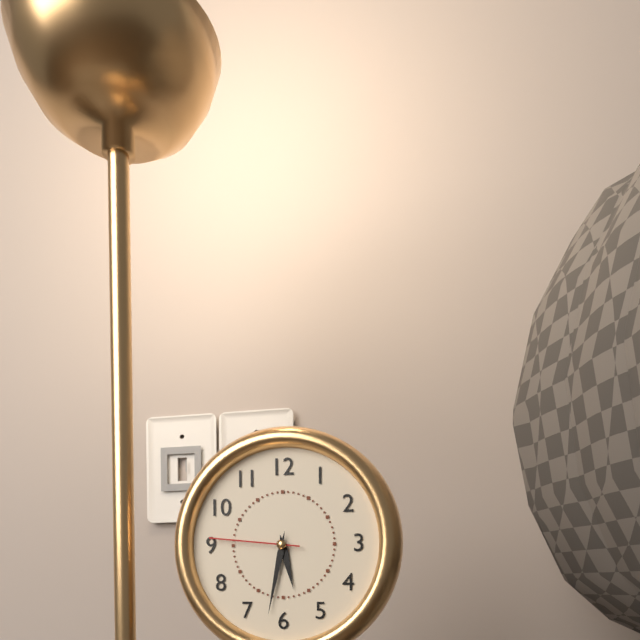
5:32:46
